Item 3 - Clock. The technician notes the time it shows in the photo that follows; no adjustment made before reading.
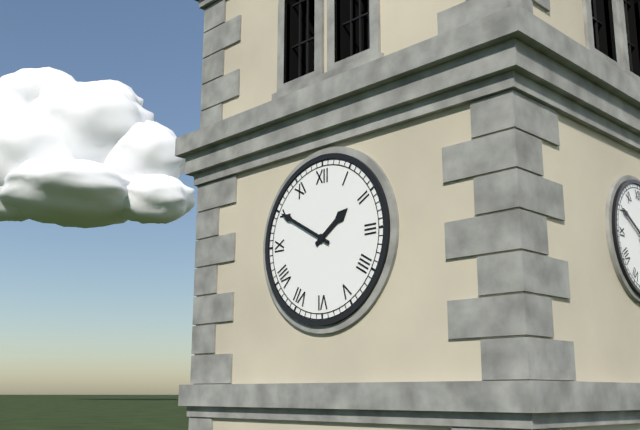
1:50
